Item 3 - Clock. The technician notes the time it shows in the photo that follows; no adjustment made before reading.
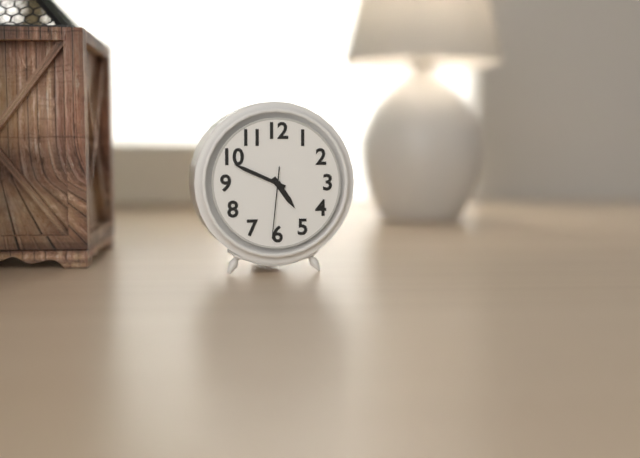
4:49:31
